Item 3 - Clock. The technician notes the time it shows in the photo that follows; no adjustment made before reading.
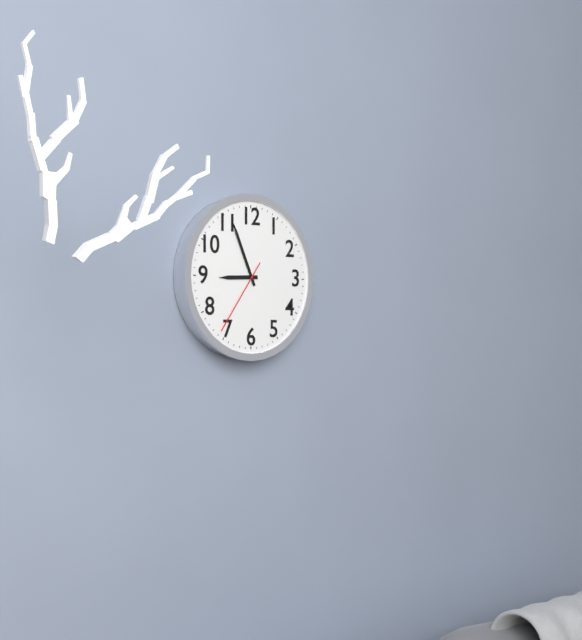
8:56:36
